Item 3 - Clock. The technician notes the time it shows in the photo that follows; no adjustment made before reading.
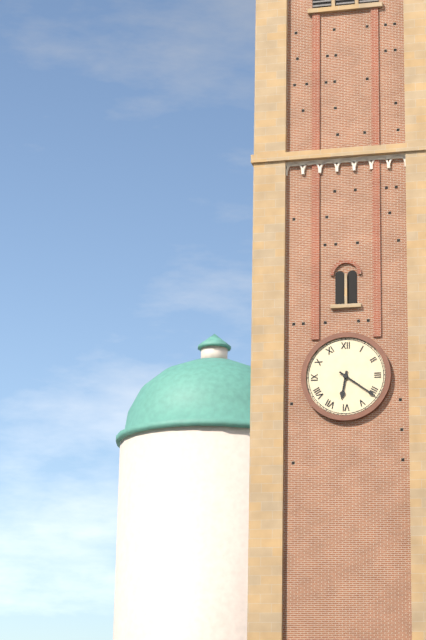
6:21
